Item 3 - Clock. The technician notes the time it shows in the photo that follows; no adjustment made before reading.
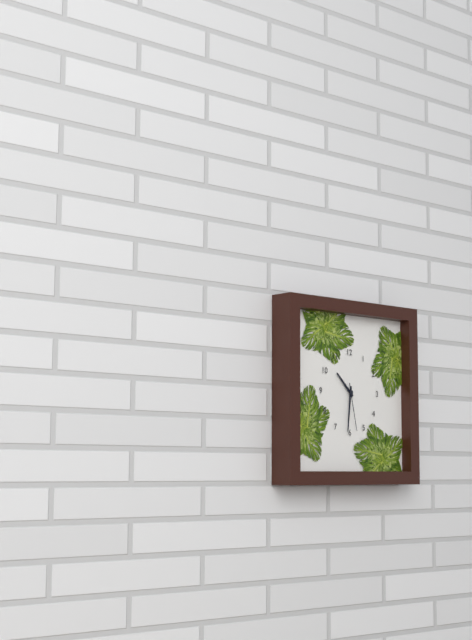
10:31
